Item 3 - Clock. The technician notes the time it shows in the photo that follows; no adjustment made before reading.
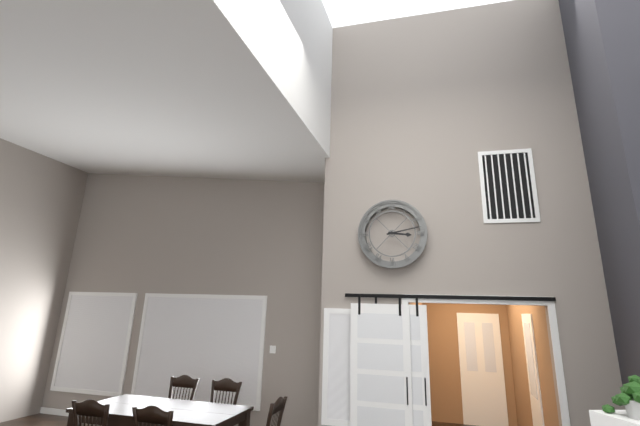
3:13
